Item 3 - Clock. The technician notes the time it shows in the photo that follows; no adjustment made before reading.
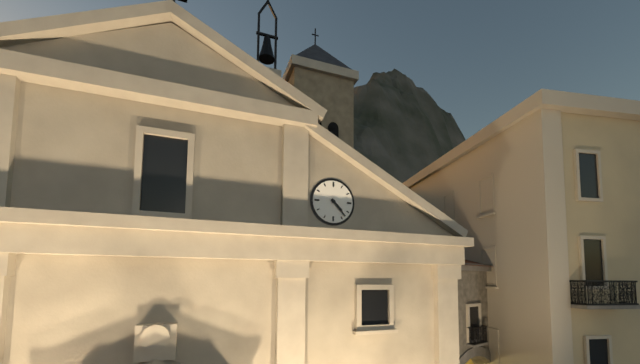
4:23
